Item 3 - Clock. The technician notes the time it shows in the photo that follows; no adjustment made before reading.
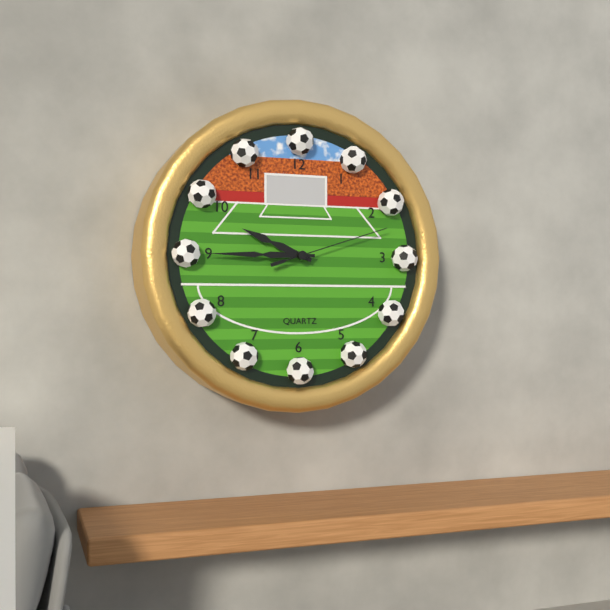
9:45:12
